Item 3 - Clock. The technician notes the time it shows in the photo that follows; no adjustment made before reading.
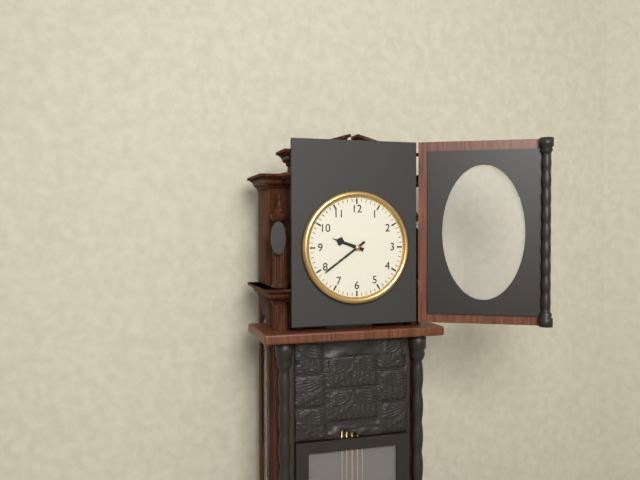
9:39
